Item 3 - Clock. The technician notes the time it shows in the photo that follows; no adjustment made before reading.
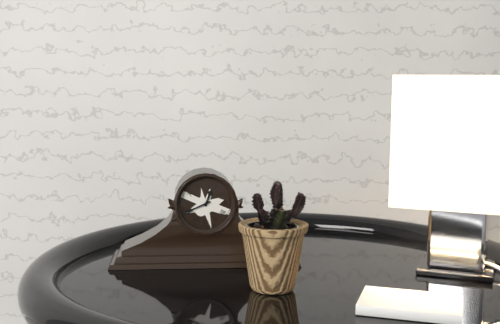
12:41
